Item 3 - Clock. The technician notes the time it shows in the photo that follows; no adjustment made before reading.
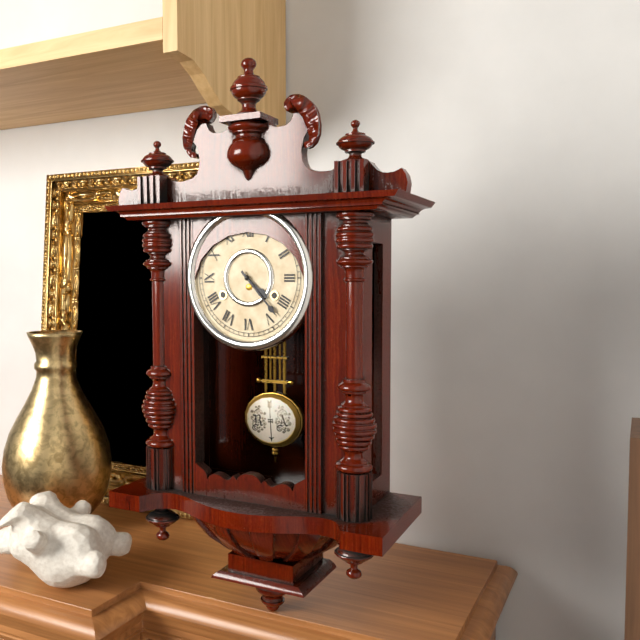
4:23
